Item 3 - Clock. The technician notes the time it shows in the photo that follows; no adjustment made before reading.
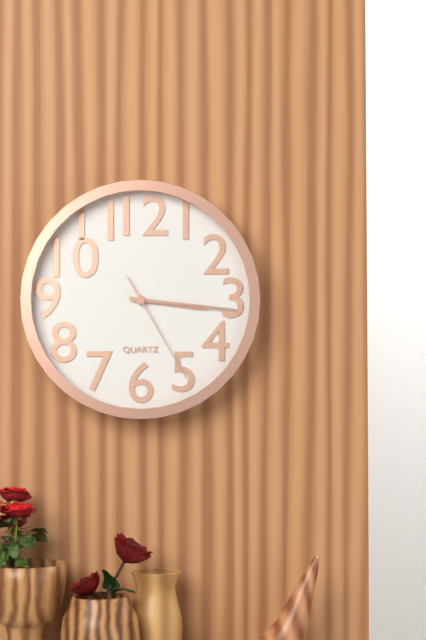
3:16:25
